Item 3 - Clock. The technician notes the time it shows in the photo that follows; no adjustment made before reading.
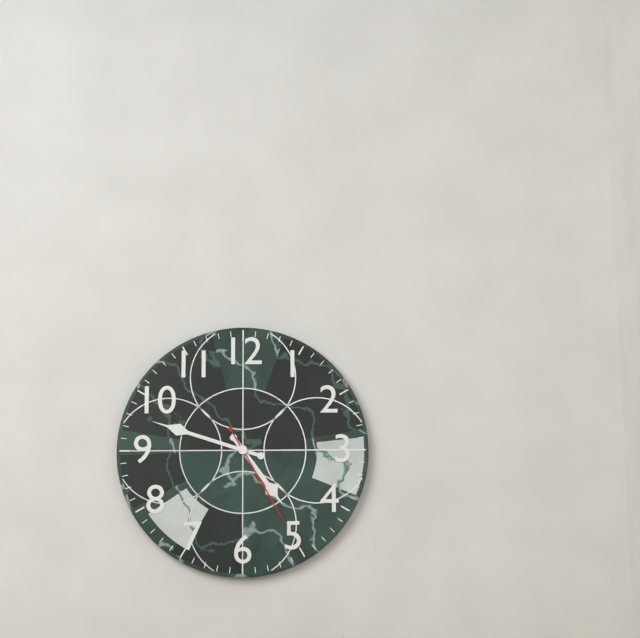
4:48:25
